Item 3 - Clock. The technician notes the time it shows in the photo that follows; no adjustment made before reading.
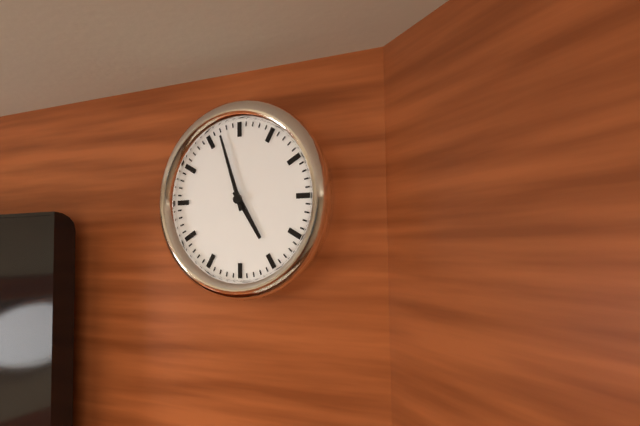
4:57
